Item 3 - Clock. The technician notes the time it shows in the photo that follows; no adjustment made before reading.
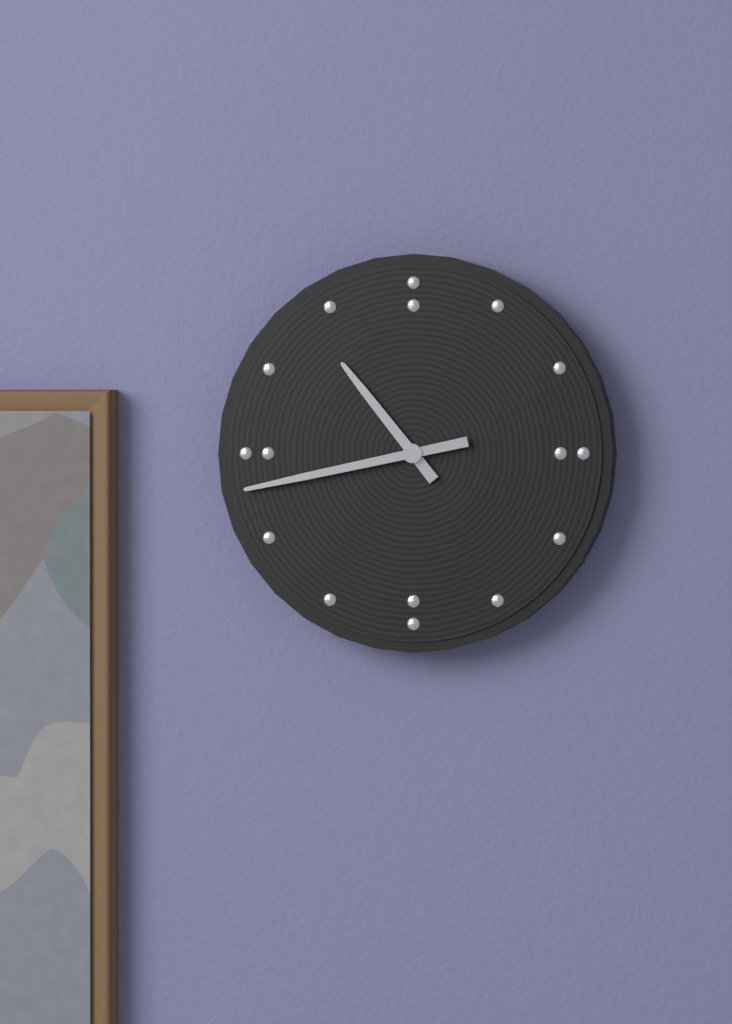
10:43
